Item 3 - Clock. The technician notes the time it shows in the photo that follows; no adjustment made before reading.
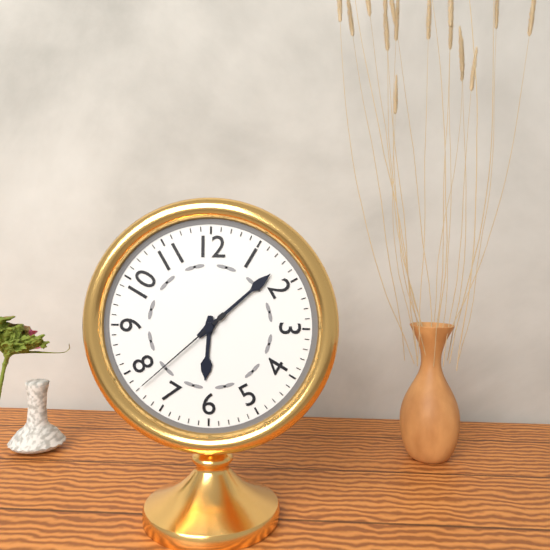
6:08:38
